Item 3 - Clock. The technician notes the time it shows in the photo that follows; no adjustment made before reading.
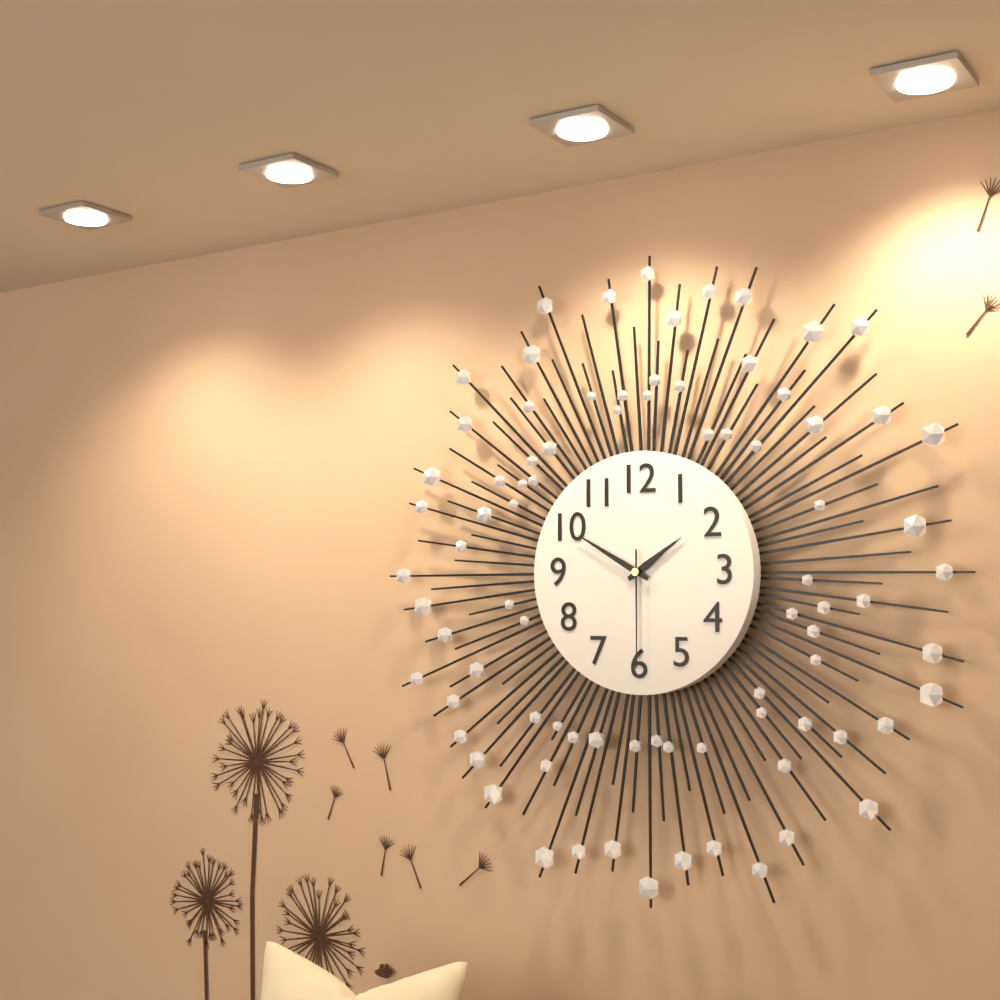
1:50:30
